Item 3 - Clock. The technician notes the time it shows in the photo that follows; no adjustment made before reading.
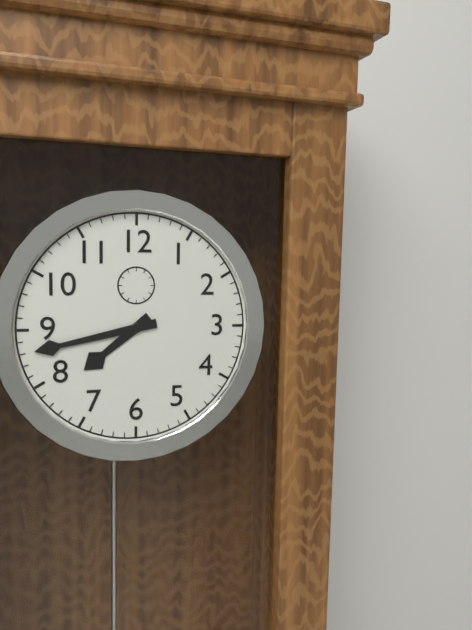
7:43
